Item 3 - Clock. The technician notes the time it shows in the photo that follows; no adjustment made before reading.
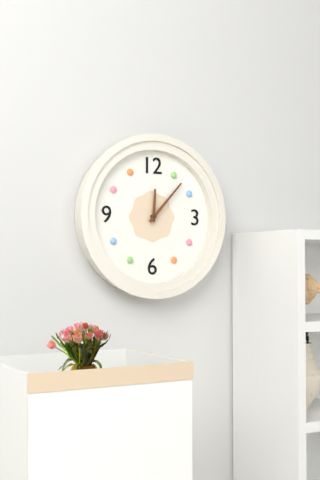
12:07
